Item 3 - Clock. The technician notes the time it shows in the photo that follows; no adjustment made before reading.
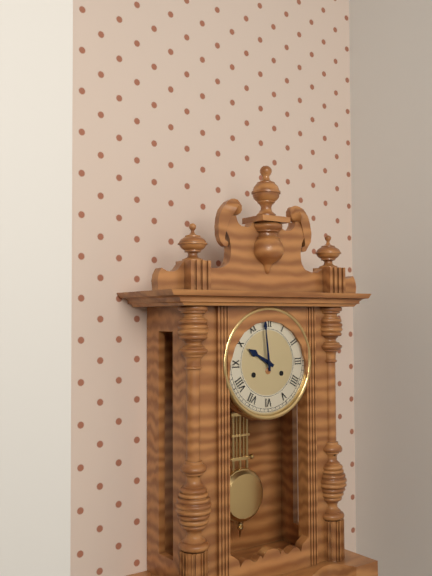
9:59
